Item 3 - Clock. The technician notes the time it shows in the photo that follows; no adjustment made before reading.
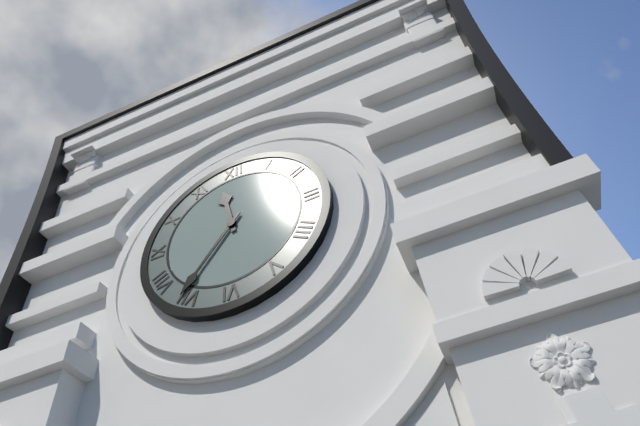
11:36
